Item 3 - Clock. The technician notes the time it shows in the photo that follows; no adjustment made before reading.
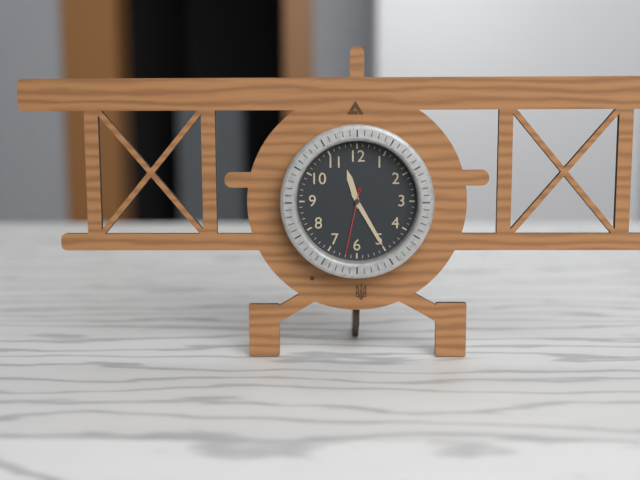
11:25:32
